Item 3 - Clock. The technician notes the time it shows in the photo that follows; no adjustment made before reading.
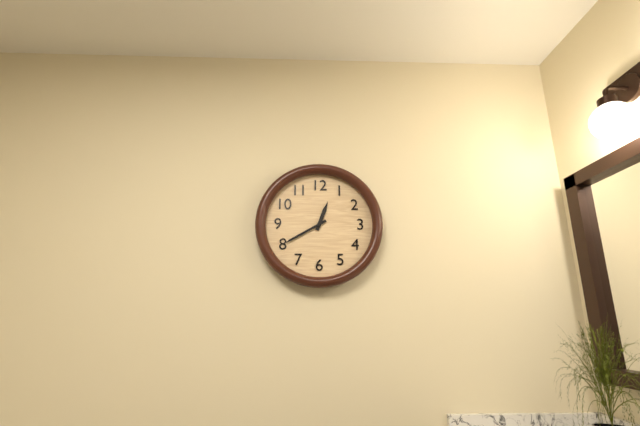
12:40
